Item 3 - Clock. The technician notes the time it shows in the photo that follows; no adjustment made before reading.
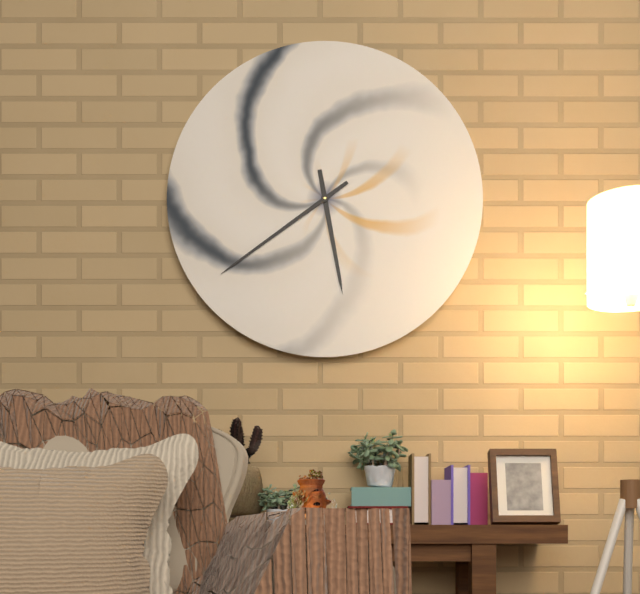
5:39
